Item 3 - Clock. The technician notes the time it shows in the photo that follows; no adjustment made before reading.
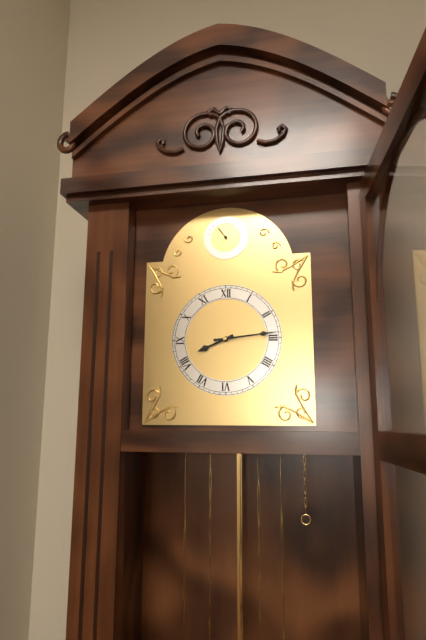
8:14
